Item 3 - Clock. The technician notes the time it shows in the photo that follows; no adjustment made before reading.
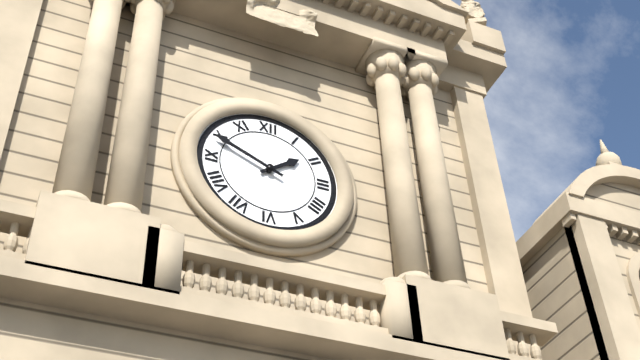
1:49
